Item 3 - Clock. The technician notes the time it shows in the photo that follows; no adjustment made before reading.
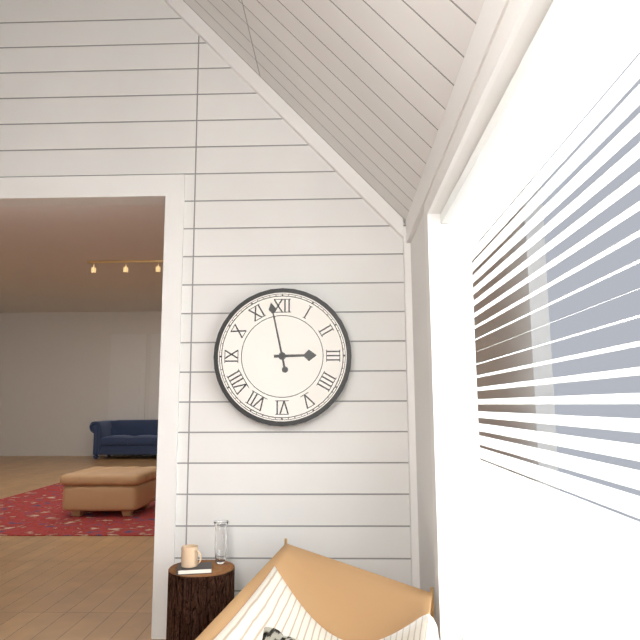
2:58
